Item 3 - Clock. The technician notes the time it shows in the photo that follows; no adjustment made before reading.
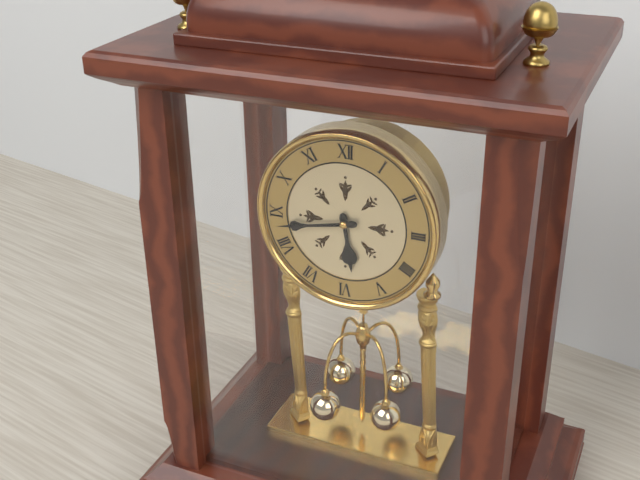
5:43
